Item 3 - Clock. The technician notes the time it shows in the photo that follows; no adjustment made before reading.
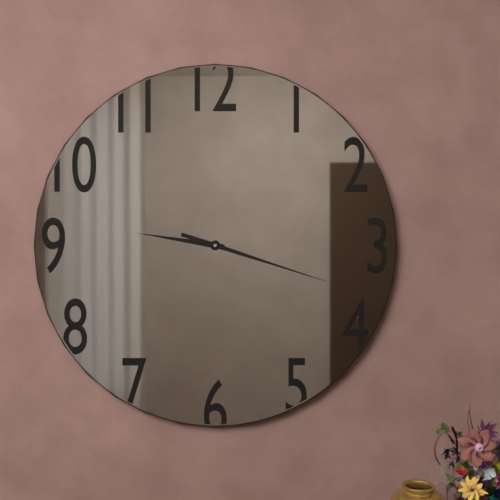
9:18
